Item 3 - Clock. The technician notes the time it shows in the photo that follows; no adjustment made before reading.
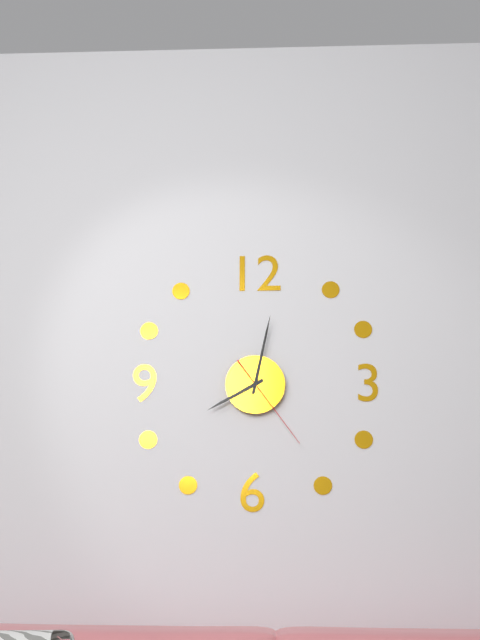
8:02:24
